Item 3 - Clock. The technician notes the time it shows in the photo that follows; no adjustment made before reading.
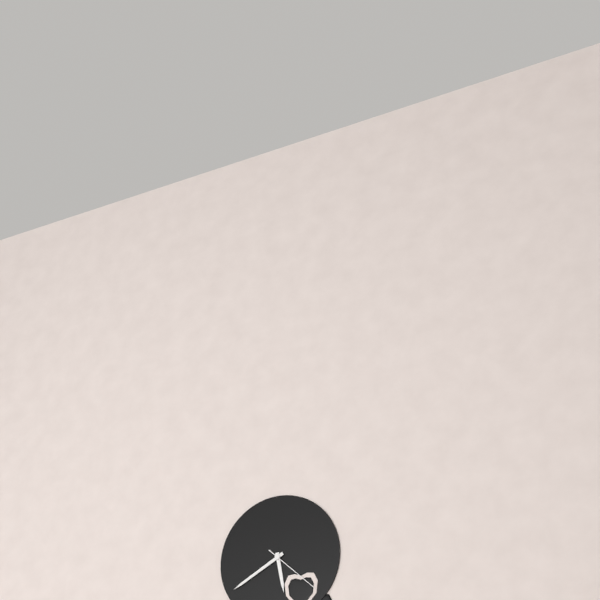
5:40:22
